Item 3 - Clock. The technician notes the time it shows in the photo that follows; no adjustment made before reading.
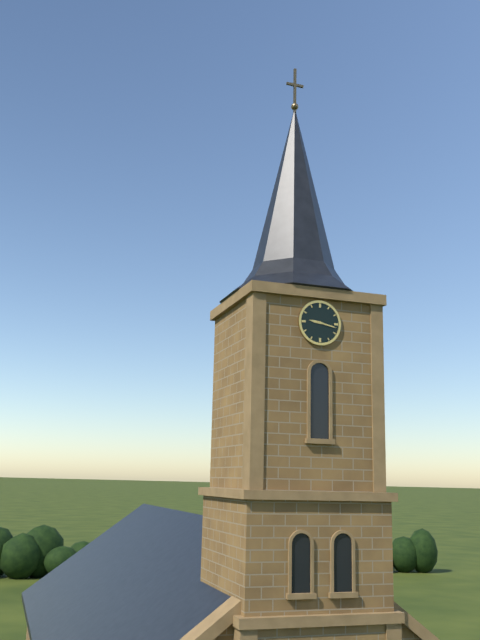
9:17
